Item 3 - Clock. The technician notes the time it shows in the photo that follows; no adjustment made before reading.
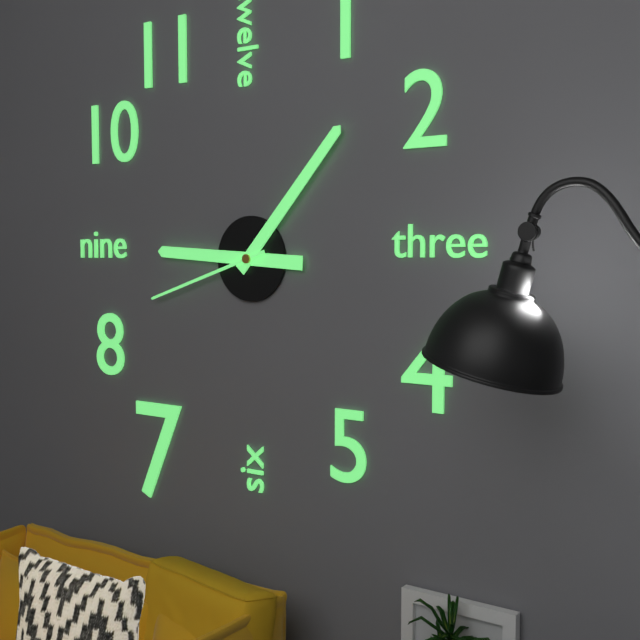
9:07:42
